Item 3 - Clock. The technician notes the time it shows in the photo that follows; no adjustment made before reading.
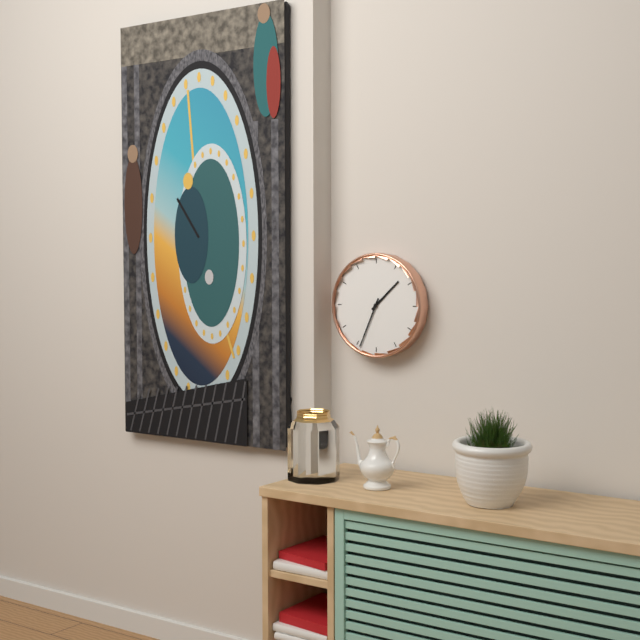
1:34
